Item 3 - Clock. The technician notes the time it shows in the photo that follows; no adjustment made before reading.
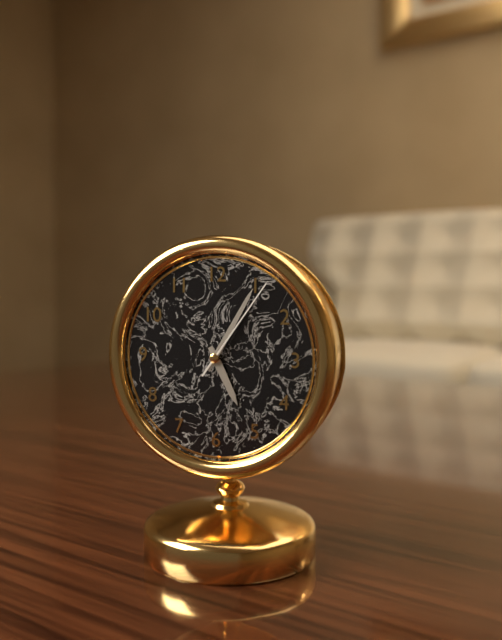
5:05:06
